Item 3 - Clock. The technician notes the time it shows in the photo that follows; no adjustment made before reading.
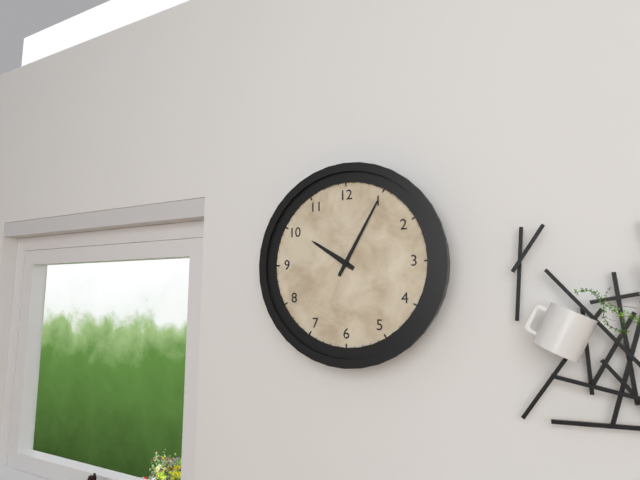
10:05
